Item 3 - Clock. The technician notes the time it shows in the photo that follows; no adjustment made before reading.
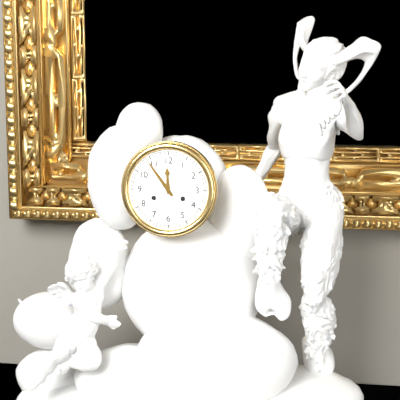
11:54
